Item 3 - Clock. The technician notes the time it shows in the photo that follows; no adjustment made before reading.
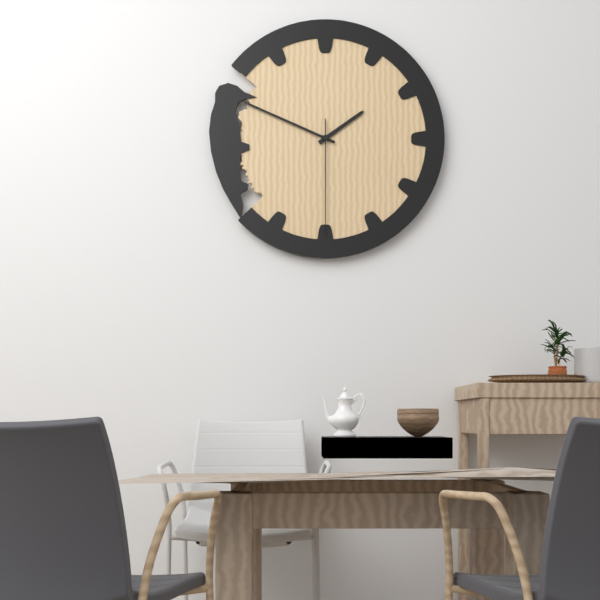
1:49:30
